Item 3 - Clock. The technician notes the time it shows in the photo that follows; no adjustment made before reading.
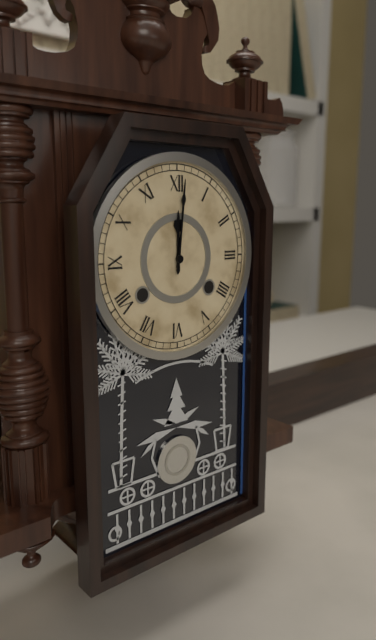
12:01
